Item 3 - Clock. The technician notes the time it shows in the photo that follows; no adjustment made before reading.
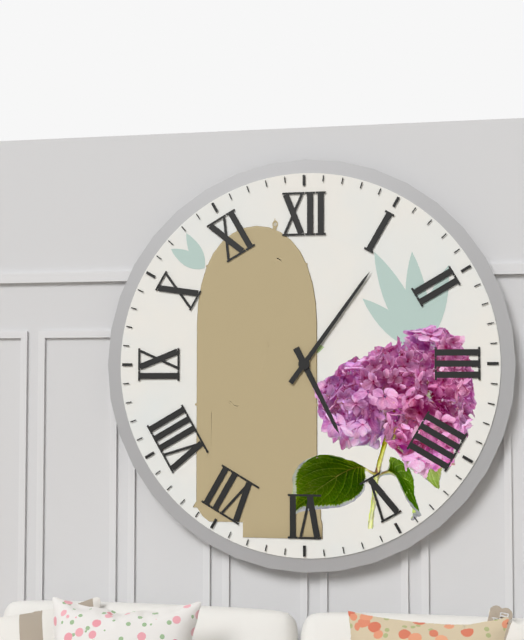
5:06
